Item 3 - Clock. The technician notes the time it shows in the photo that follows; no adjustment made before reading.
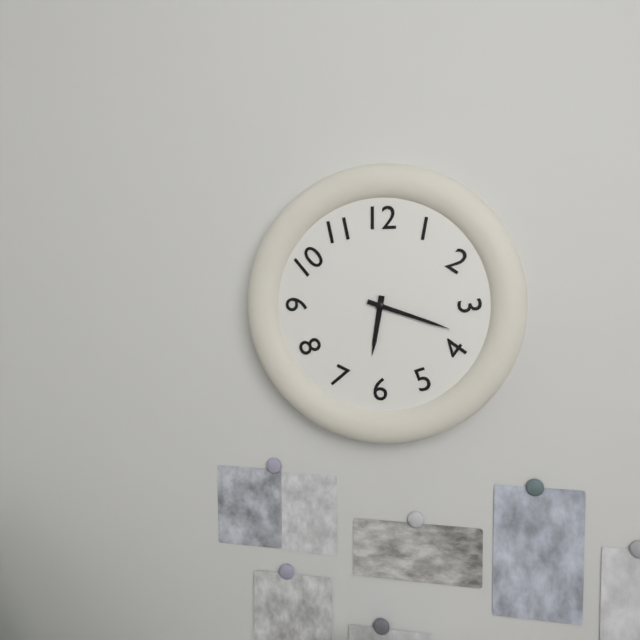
6:18
